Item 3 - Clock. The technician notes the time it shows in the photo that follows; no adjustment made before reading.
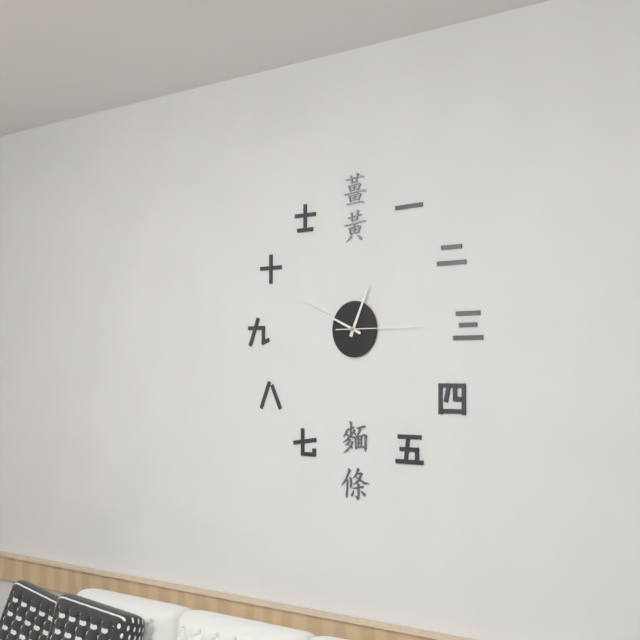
12:49:15
